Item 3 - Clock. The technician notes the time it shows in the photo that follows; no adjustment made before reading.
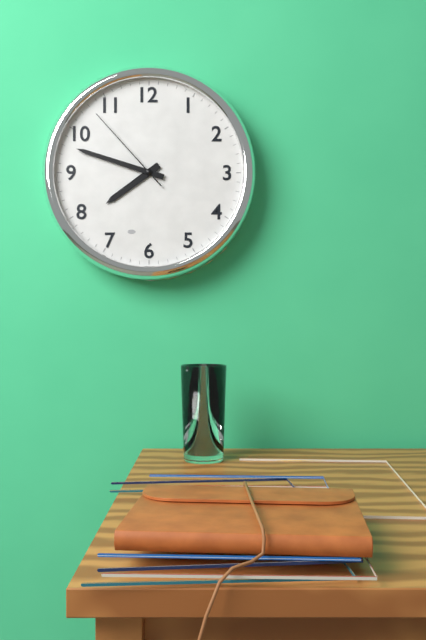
7:48:53
